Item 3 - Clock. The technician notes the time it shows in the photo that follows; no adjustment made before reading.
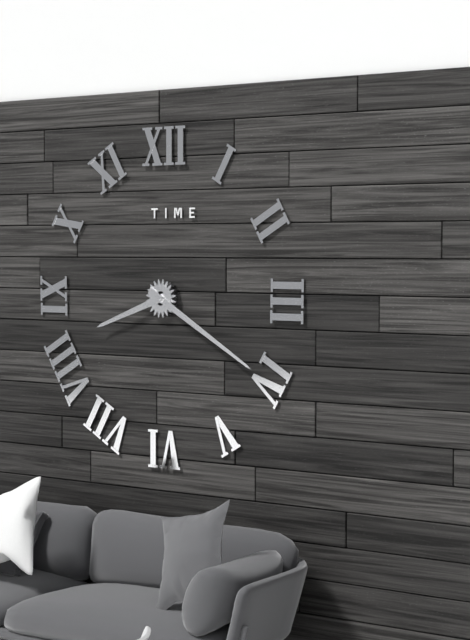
8:20
